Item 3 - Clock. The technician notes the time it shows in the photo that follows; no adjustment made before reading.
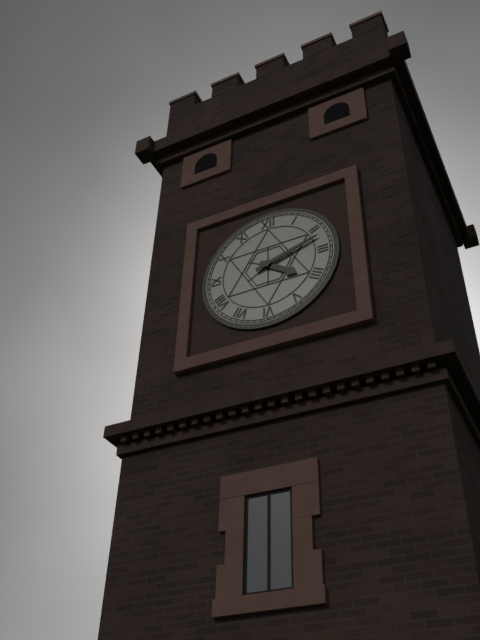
4:12
